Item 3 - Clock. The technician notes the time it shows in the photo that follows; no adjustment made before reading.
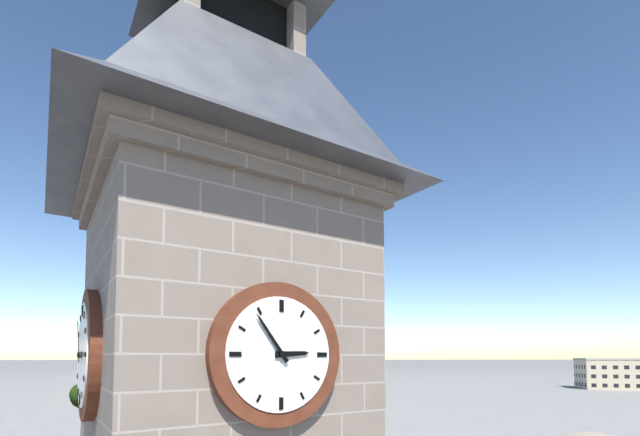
2:54
